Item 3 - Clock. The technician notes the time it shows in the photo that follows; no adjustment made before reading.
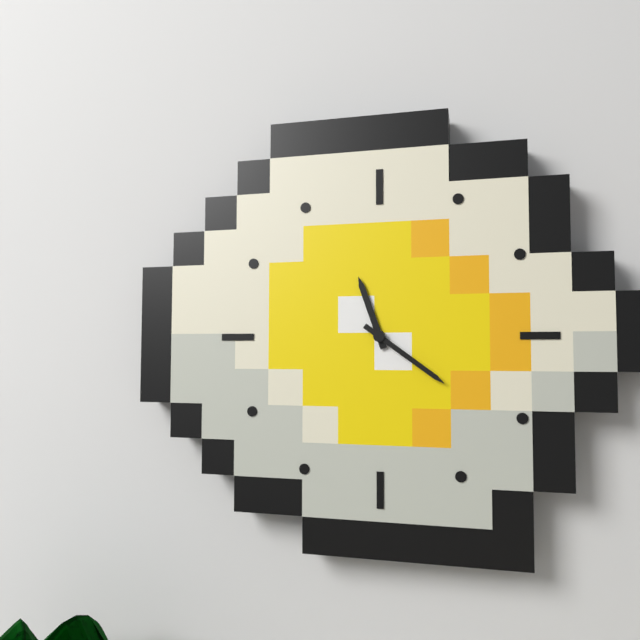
11:21
